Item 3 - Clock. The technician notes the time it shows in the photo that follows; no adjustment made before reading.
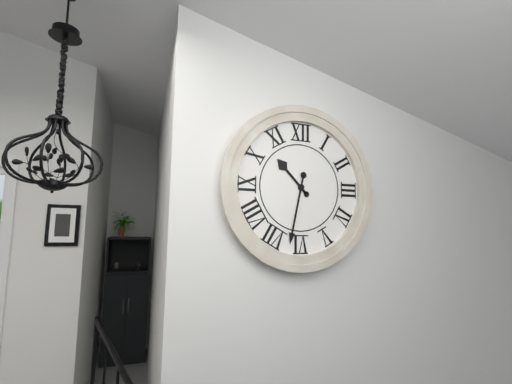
10:32
